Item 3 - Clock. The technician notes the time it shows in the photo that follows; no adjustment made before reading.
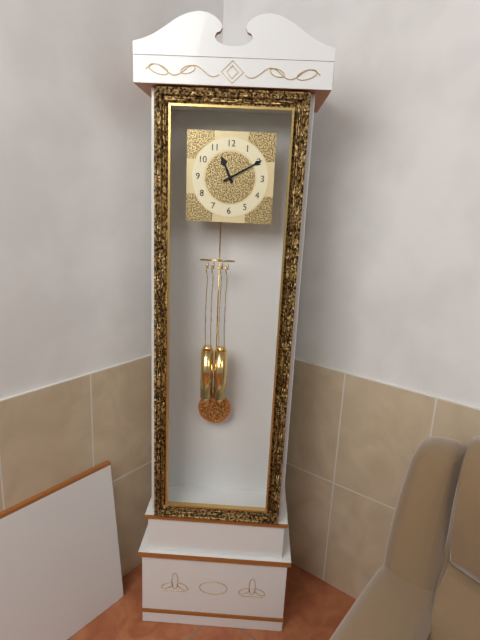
11:10
